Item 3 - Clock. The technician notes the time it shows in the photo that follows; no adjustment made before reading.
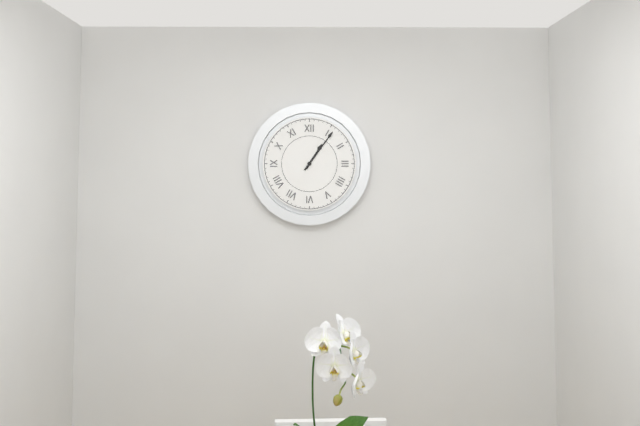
1:06
